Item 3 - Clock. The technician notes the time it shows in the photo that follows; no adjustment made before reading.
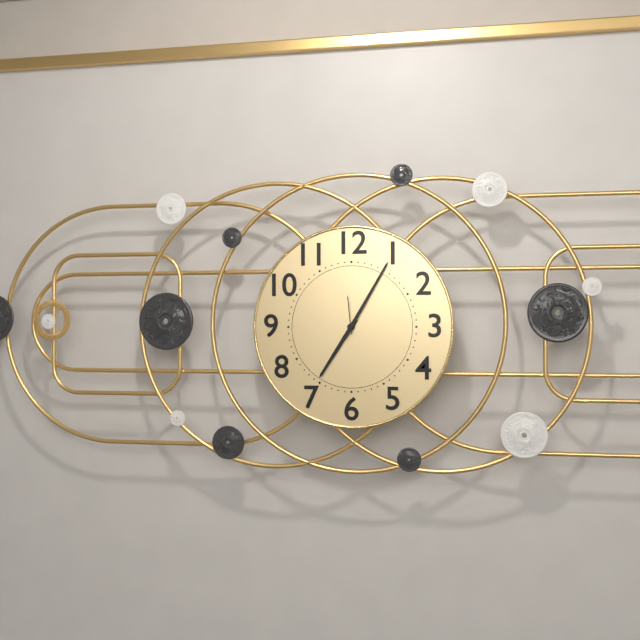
7:05
